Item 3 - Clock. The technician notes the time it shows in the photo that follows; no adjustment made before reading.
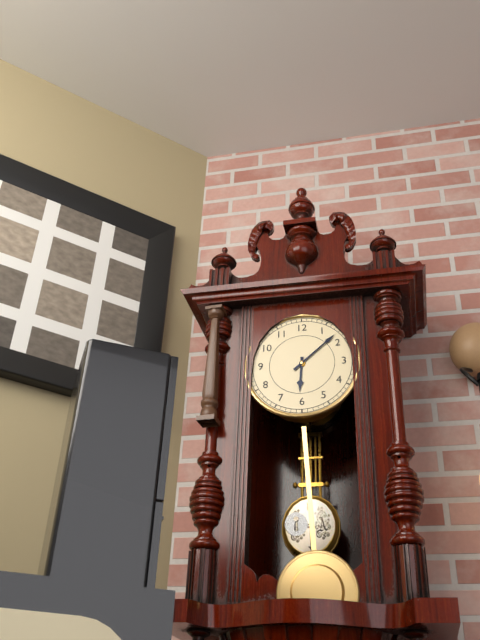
6:08
